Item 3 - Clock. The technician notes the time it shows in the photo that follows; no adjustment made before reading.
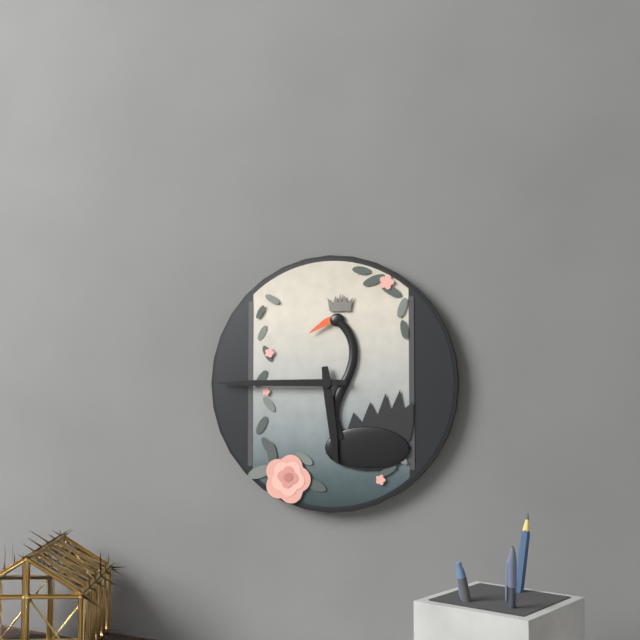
5:45
